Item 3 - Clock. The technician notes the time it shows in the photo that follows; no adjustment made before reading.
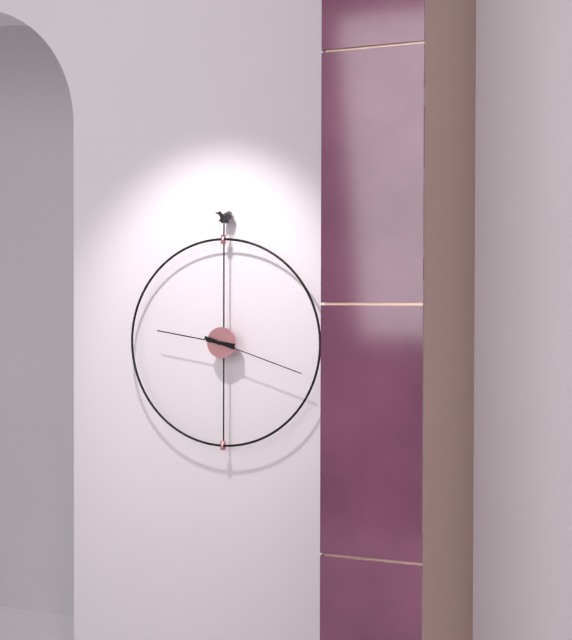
9:18
